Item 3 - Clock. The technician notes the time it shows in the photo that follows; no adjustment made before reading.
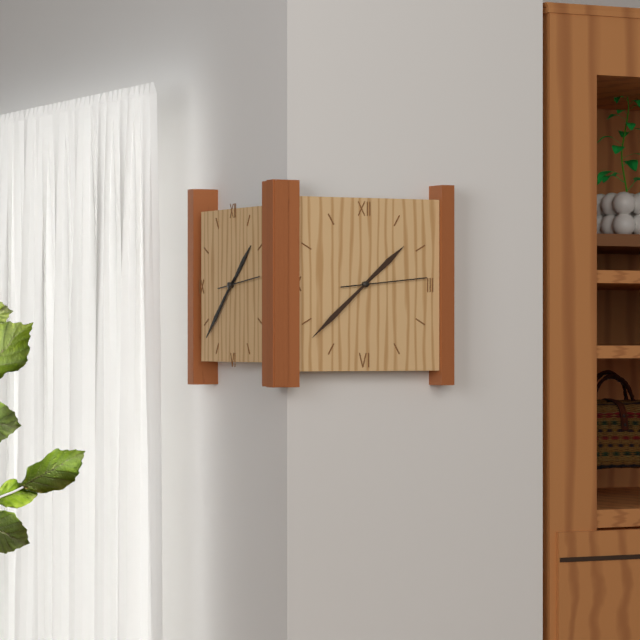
1:38:14
